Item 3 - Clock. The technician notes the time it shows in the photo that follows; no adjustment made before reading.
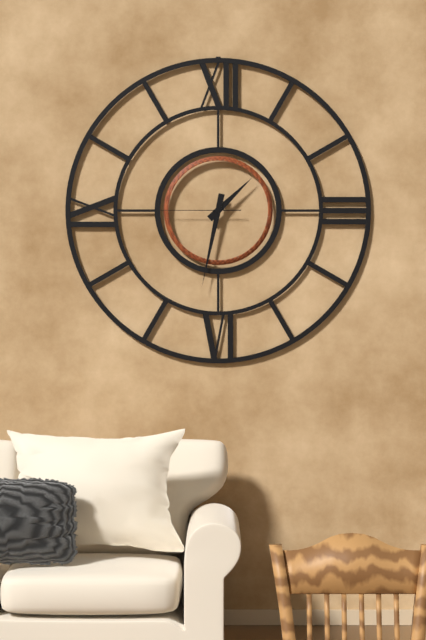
1:32:45
